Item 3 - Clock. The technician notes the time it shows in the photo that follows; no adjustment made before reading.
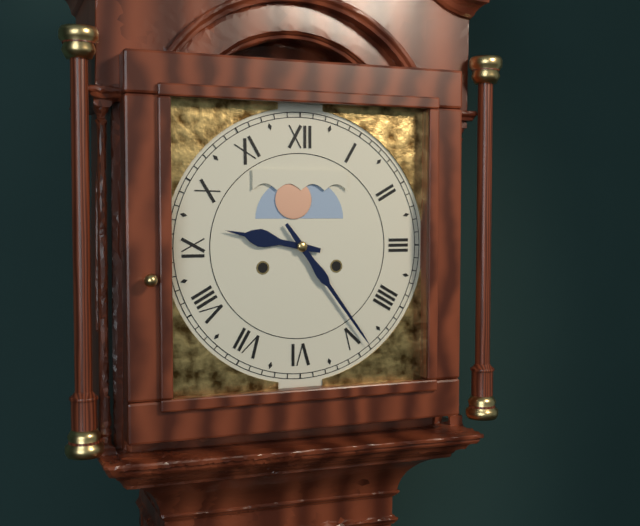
9:24
